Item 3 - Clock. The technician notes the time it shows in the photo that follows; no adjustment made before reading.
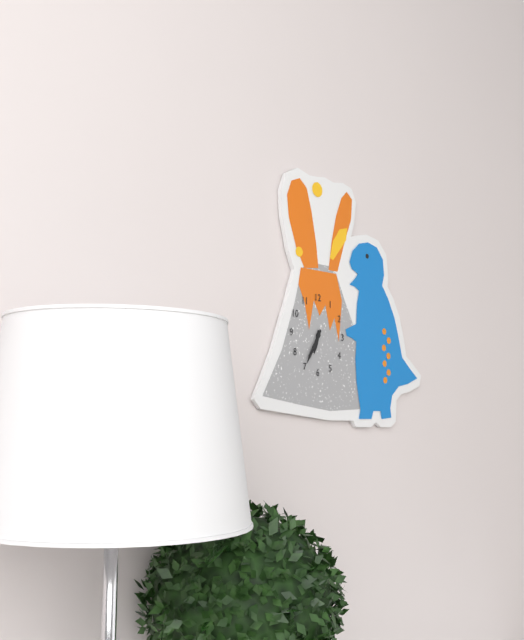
6:35
